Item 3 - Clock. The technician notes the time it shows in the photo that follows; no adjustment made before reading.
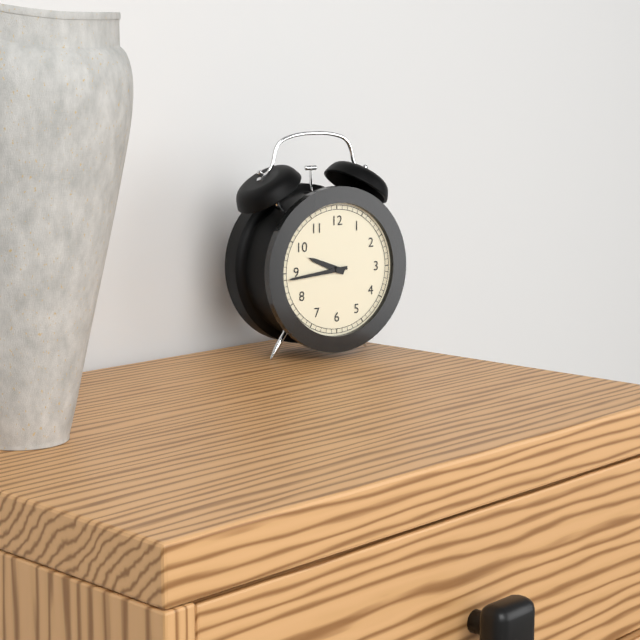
9:44
